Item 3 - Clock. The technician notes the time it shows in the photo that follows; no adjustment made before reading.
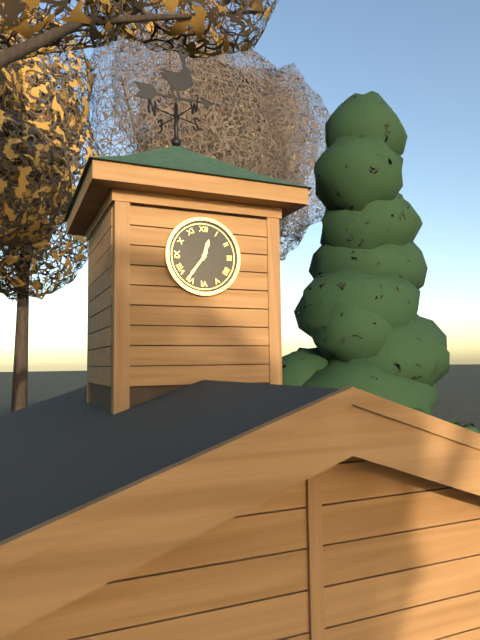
12:36
